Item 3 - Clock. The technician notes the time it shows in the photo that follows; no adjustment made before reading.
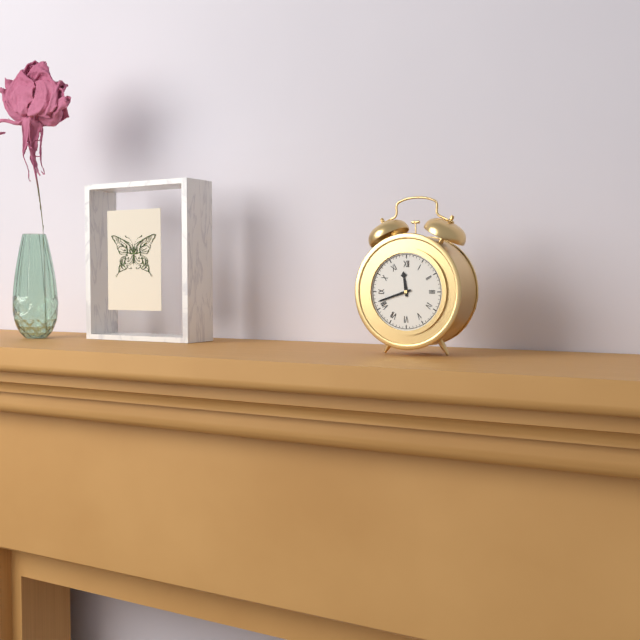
11:42
